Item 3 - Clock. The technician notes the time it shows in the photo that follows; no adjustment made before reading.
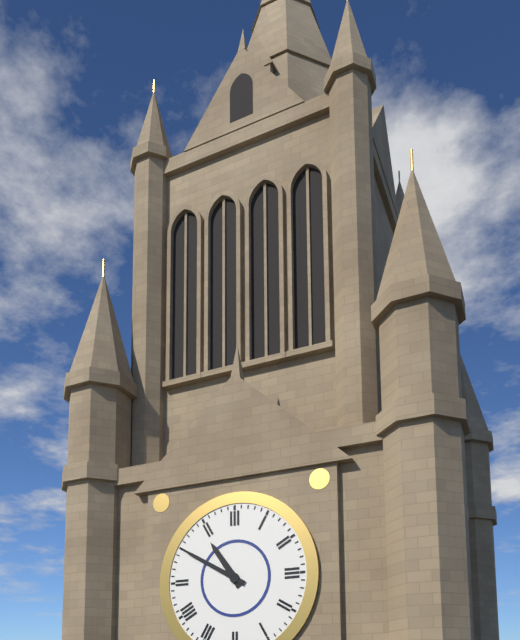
10:50
